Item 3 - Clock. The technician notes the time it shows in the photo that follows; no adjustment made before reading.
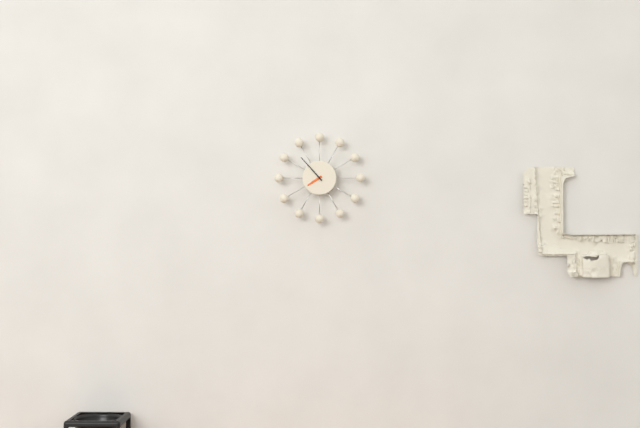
7:53
